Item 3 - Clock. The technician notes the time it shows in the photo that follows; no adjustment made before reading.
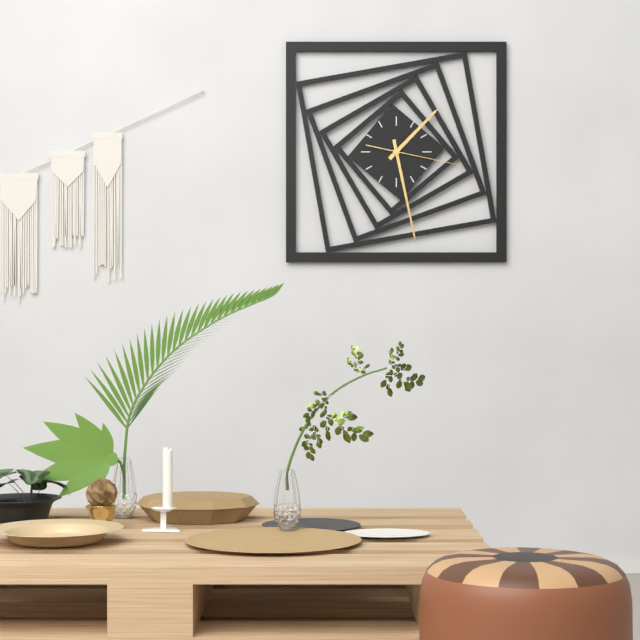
1:28:17
